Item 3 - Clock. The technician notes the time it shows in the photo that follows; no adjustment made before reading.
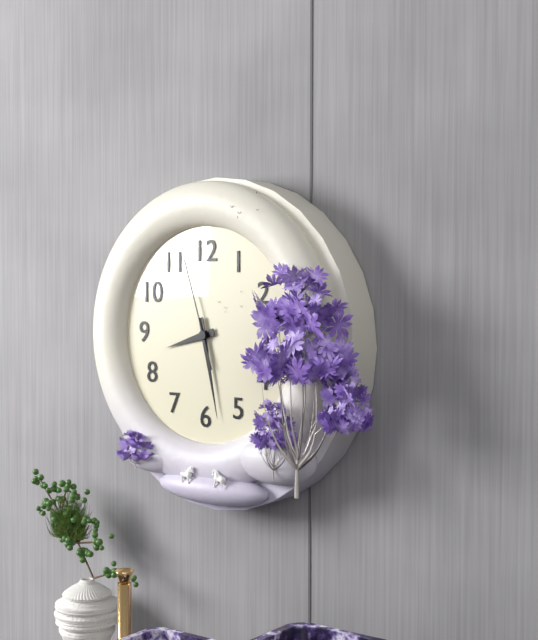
8:28:57
